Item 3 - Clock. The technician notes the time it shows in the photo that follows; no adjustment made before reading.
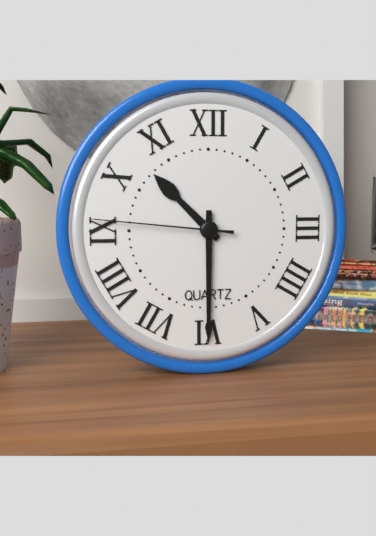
10:30:46
